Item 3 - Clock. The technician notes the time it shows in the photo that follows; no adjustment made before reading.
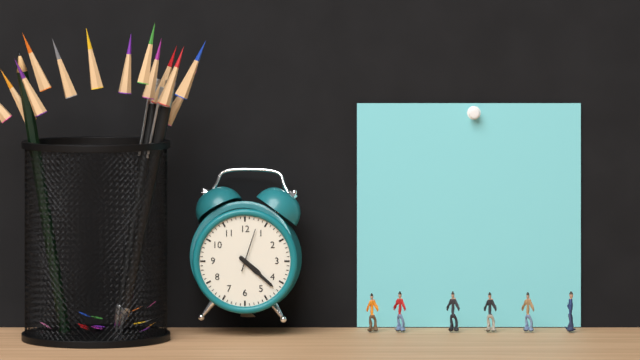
4:22
